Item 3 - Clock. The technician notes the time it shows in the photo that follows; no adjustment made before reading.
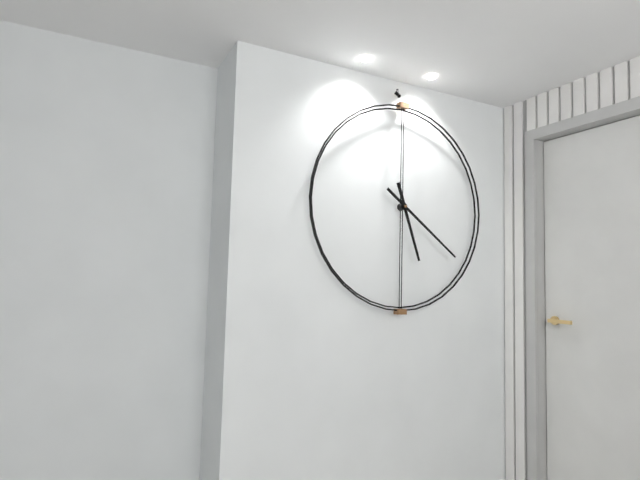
5:21
